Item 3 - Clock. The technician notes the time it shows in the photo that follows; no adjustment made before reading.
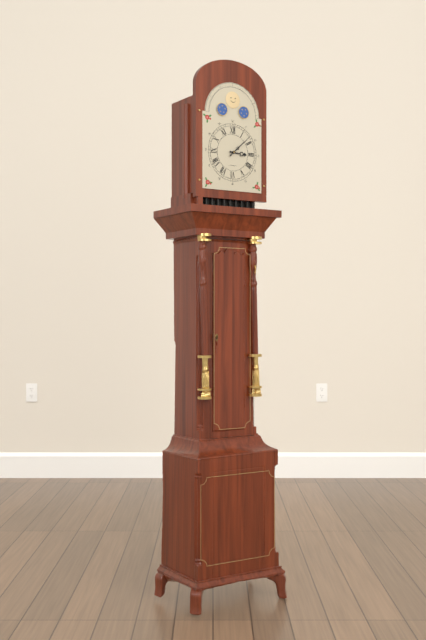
3:08
